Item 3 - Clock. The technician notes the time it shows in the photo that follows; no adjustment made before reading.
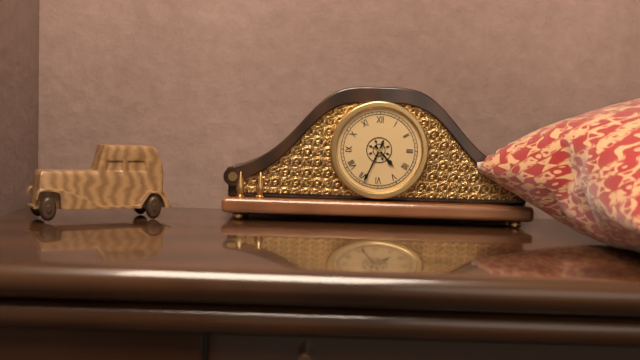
4:34
